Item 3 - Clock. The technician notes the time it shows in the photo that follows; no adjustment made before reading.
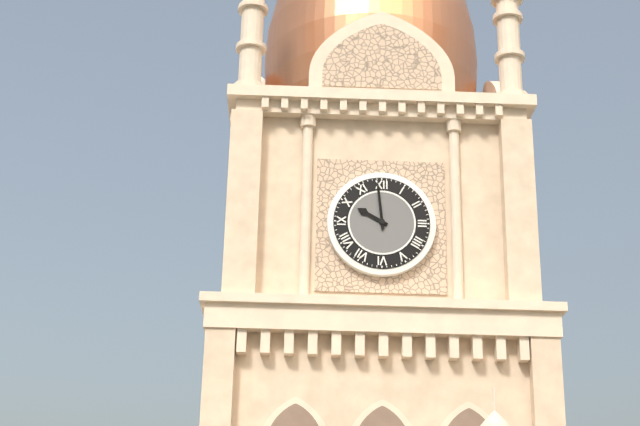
9:59
